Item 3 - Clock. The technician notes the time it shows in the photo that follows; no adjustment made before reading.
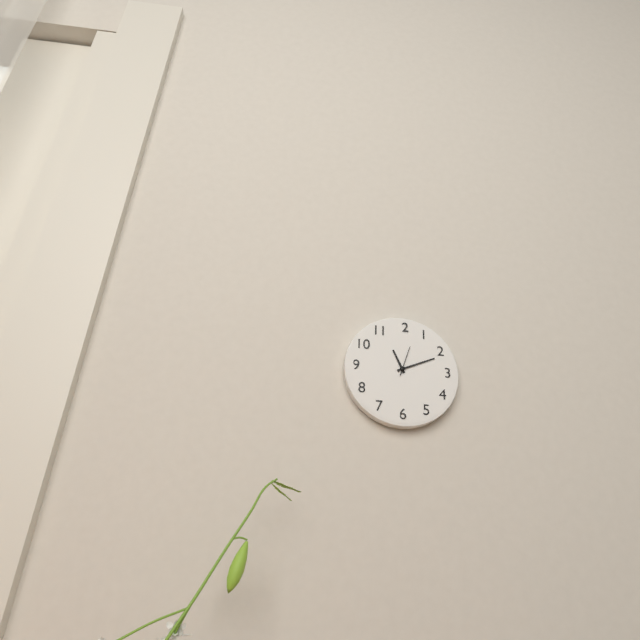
11:11
